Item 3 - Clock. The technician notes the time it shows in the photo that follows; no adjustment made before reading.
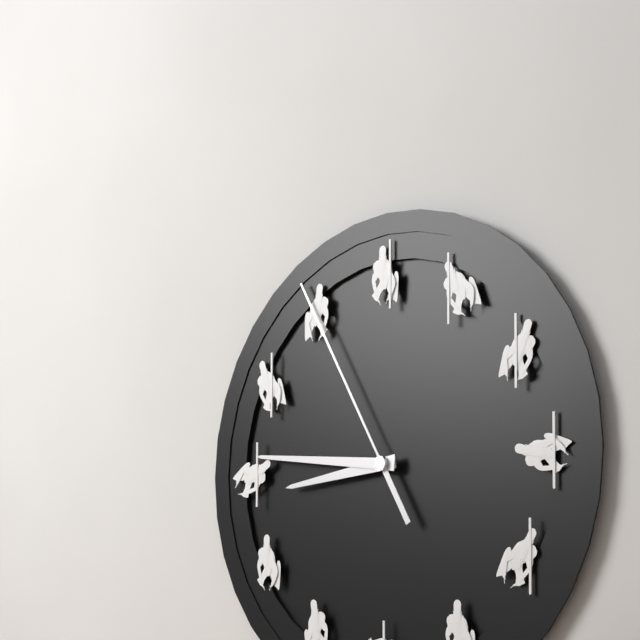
8:46:55
